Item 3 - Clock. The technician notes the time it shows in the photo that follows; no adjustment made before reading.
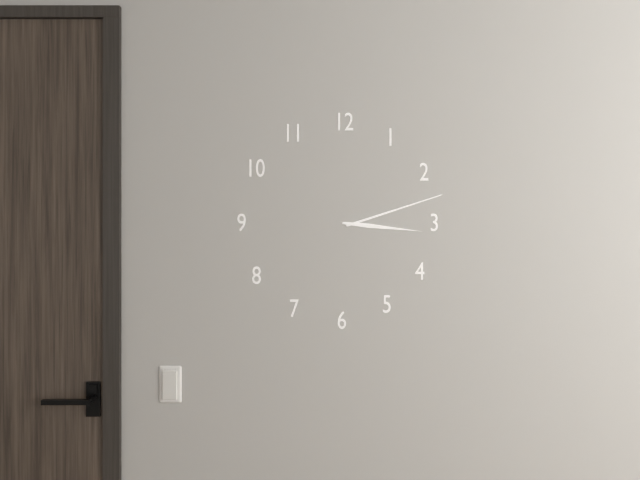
3:12
